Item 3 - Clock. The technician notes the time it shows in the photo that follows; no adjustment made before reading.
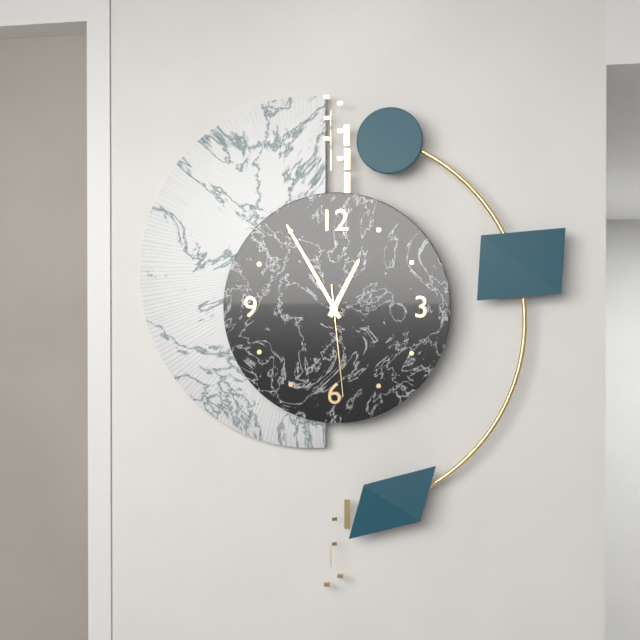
12:55:29
